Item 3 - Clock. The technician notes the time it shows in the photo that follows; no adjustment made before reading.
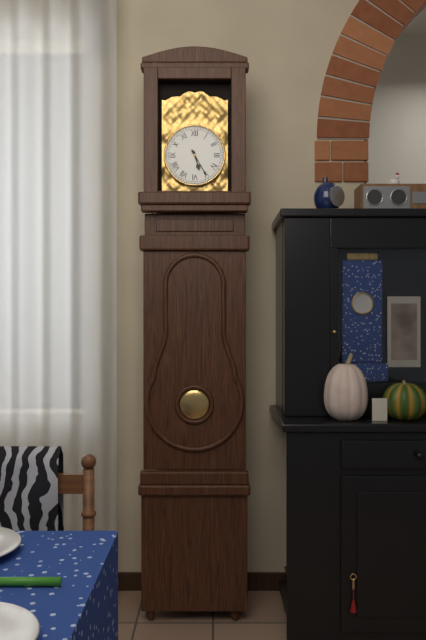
5:25
